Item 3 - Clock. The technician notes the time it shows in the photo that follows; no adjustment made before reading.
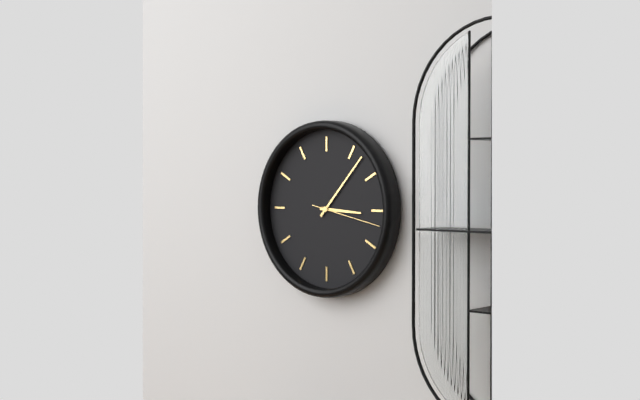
3:07:17
